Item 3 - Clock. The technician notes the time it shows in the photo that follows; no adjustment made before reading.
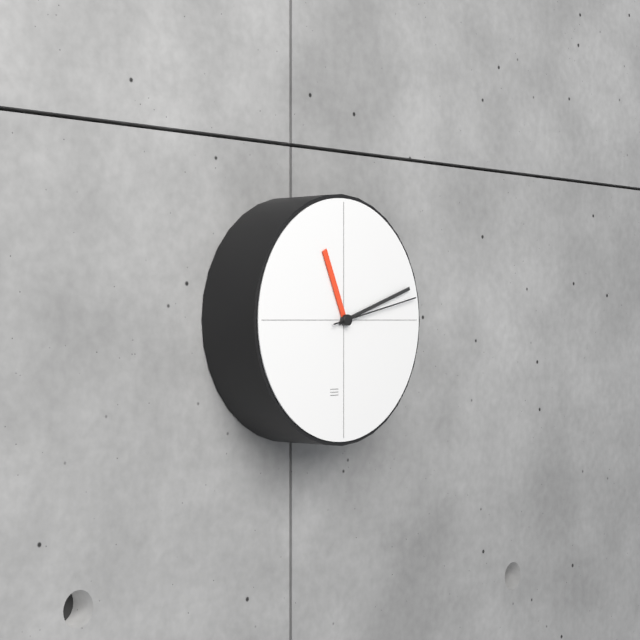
11:12:13
